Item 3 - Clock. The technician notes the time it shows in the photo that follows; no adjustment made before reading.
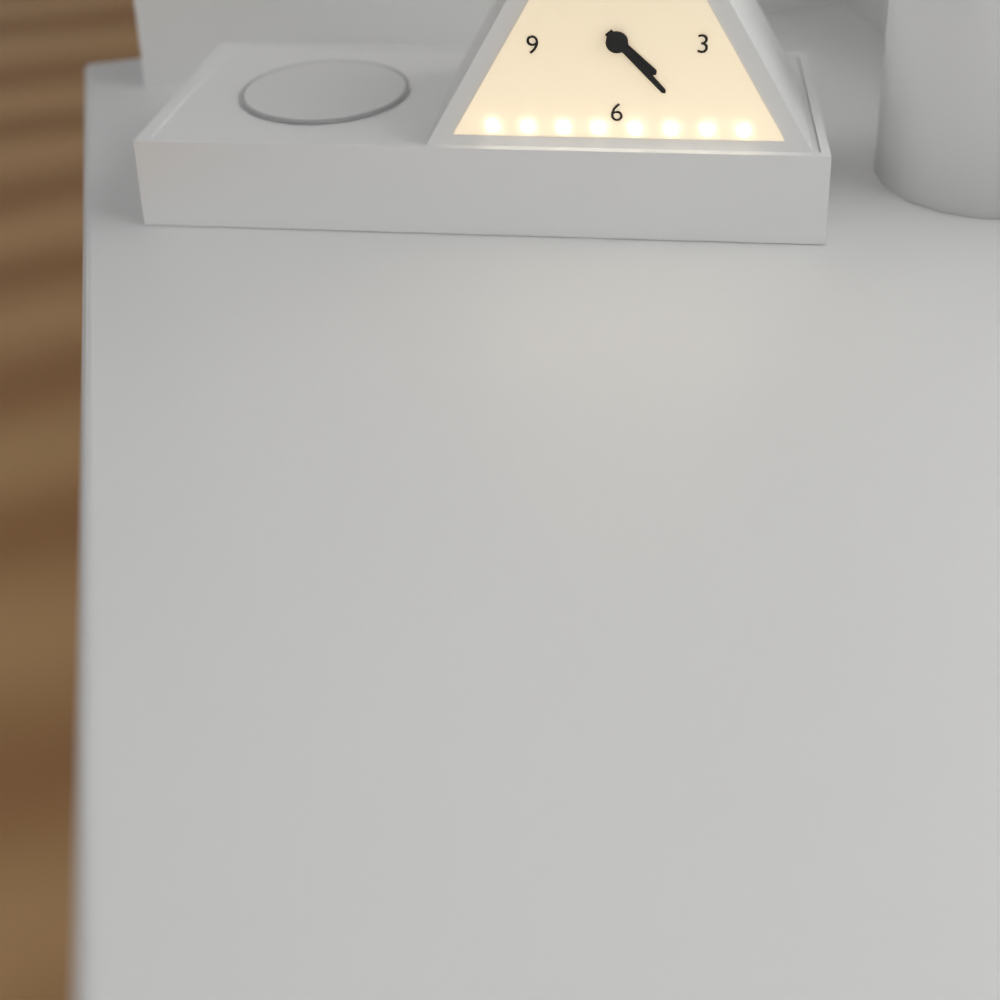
4:23
